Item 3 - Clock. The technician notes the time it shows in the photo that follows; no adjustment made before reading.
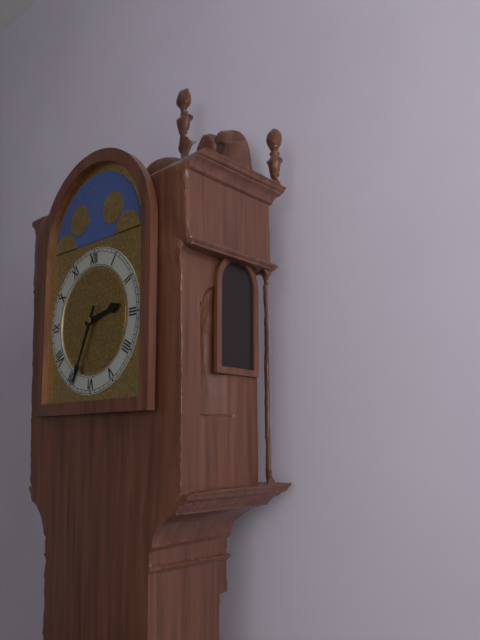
2:34
